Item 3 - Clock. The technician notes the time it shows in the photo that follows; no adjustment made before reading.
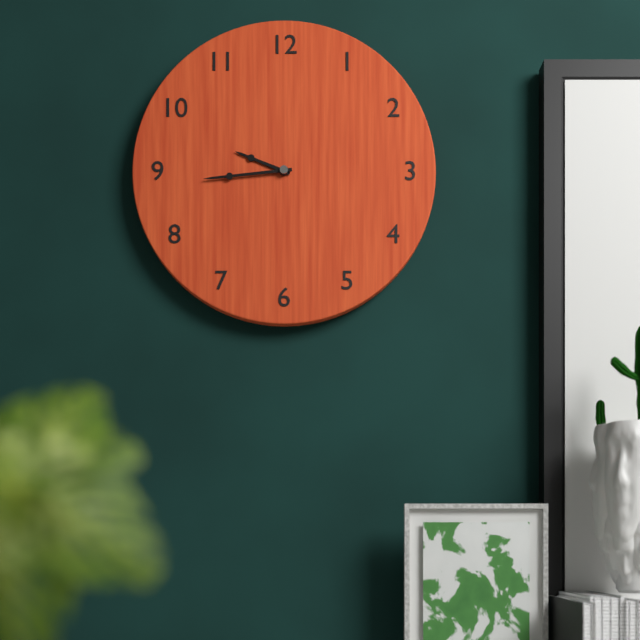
9:44
